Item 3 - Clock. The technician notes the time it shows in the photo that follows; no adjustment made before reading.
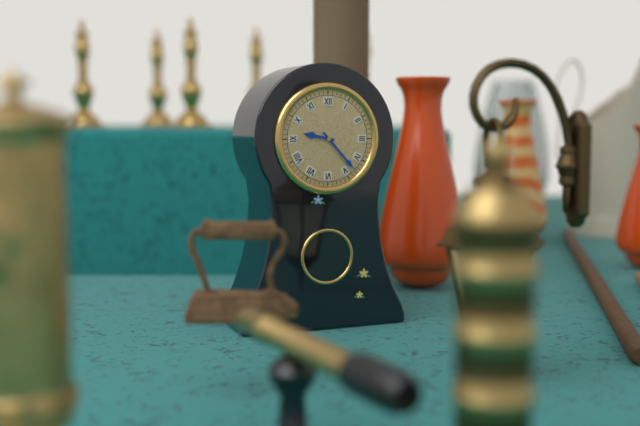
9:23
